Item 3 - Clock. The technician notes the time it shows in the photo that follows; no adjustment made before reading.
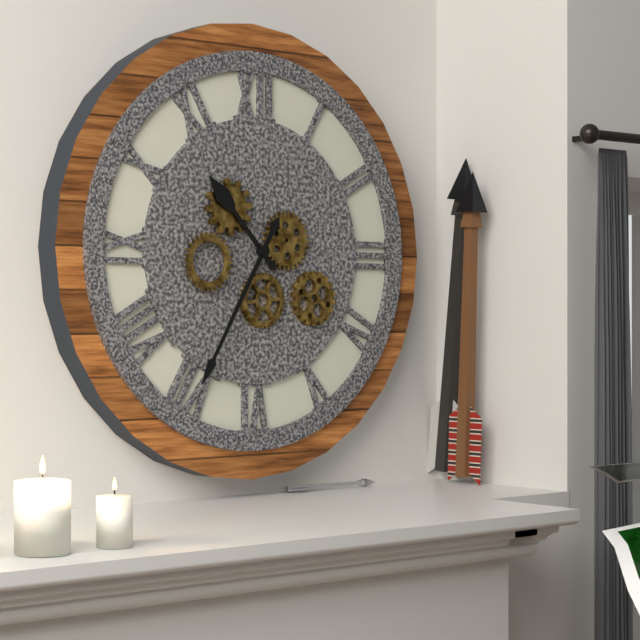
10:35
